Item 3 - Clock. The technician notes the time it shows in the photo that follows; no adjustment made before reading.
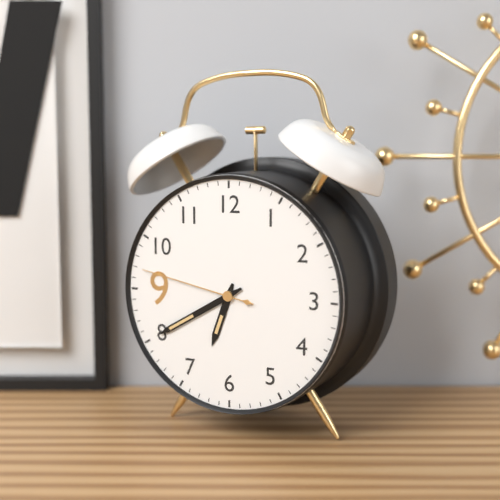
6:40:47
